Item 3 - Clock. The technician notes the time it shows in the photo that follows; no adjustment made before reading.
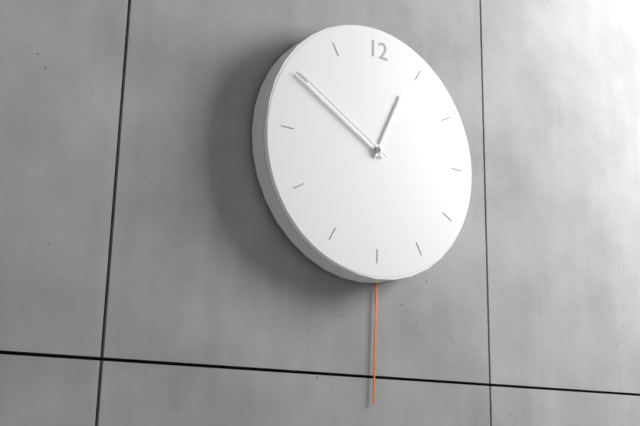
12:50
